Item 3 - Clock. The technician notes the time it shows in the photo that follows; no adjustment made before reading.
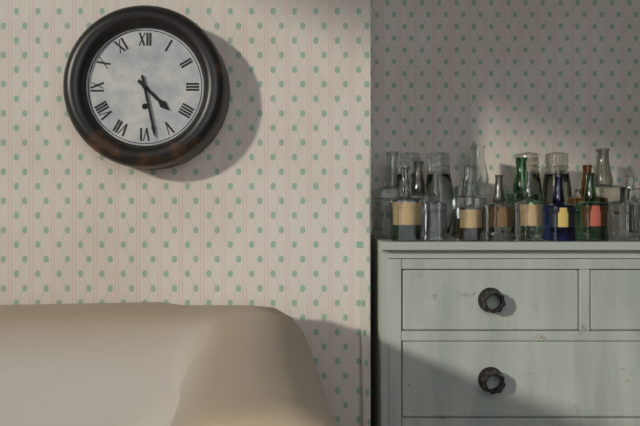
4:28
